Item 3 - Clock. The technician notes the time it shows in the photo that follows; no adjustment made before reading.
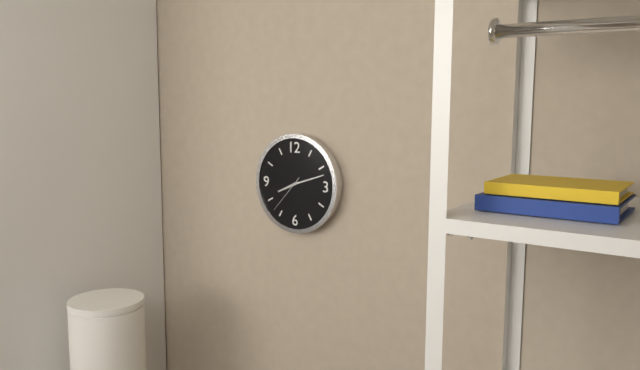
8:12
